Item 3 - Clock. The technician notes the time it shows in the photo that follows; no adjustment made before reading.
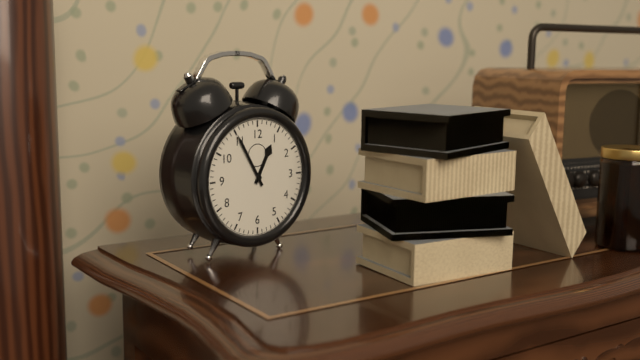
12:55
